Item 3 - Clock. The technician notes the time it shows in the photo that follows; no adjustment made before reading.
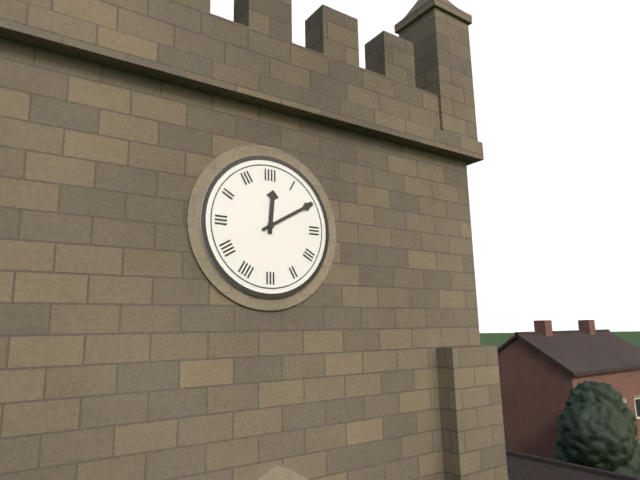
12:10
